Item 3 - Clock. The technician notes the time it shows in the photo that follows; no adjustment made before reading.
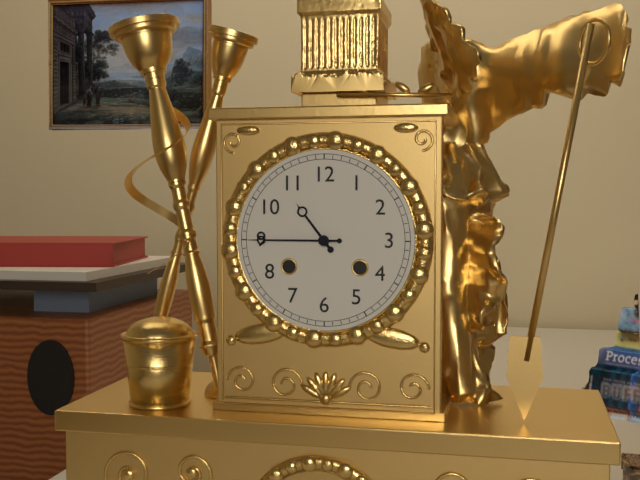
10:45
